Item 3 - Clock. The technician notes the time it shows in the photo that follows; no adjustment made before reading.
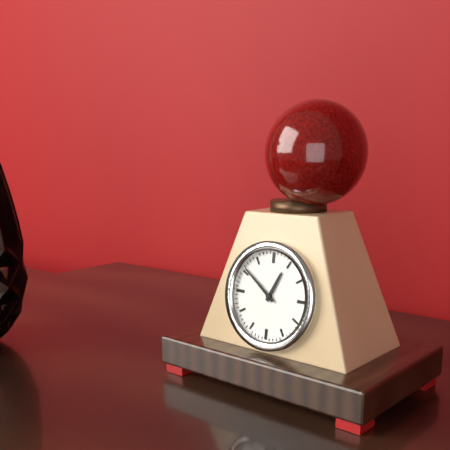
12:51
